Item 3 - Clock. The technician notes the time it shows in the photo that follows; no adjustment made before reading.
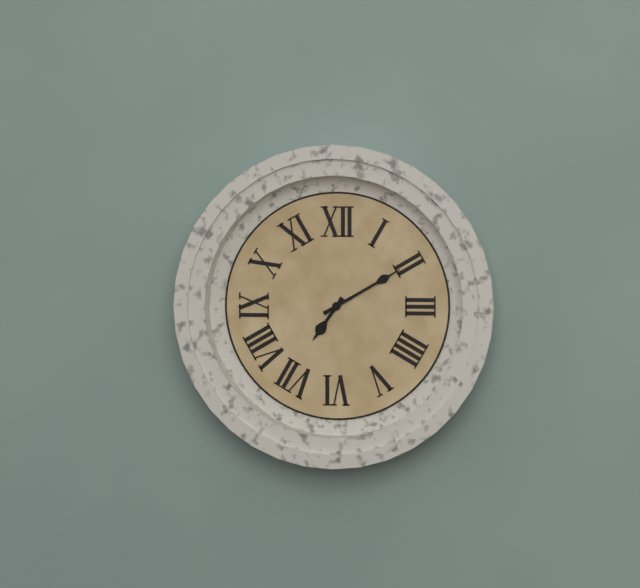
7:10
